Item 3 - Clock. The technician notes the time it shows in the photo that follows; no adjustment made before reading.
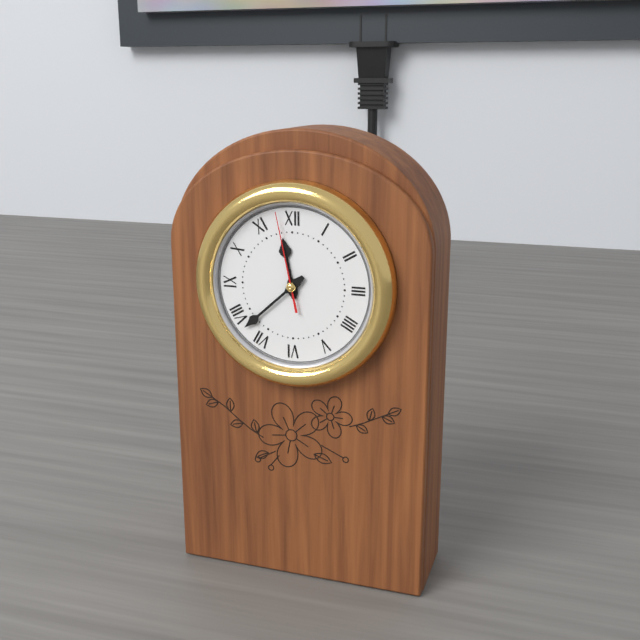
11:38:58
